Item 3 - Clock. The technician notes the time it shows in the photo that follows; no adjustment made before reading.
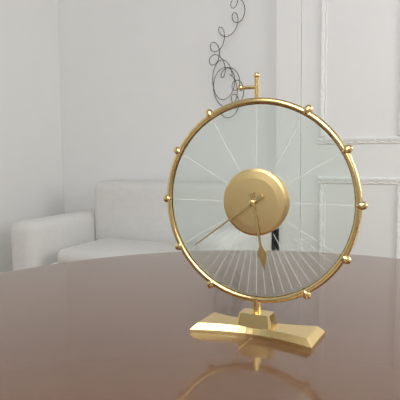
5:39
